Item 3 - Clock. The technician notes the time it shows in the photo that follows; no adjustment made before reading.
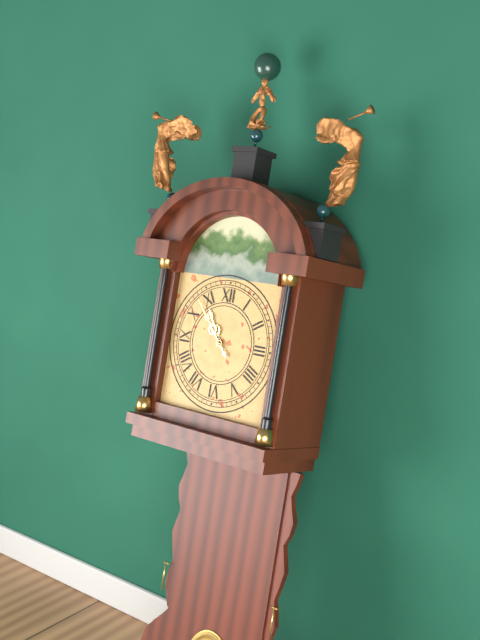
10:53
